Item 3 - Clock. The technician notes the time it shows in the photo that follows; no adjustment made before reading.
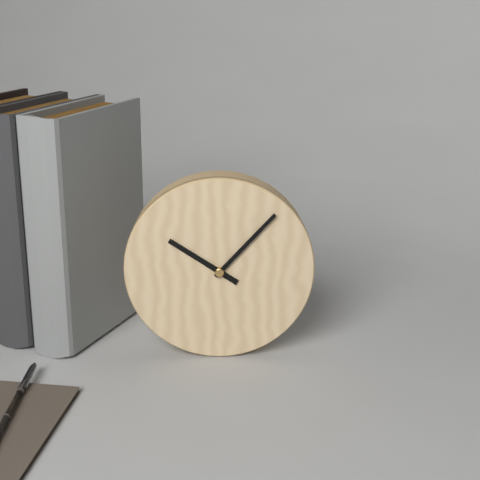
10:07
